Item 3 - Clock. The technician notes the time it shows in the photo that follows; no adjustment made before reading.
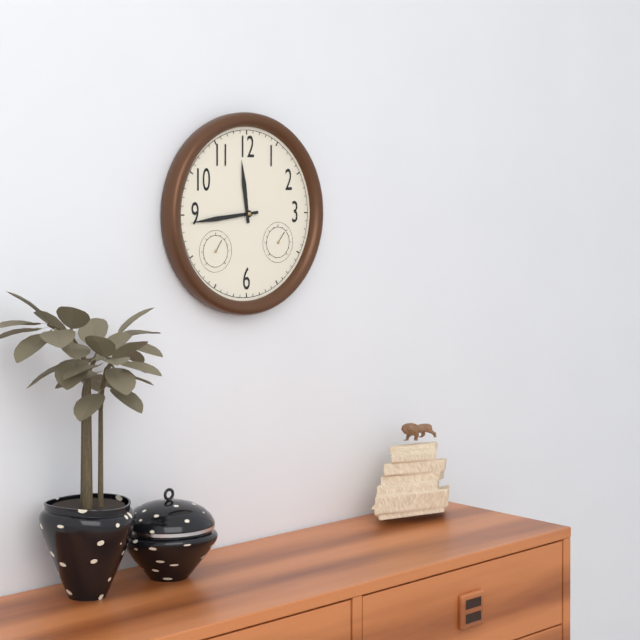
11:44
